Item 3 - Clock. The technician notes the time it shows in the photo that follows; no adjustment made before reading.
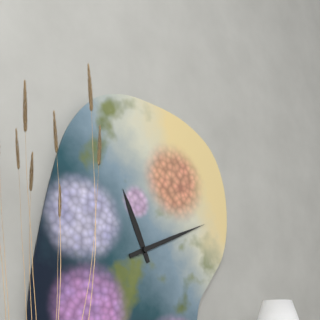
11:11
